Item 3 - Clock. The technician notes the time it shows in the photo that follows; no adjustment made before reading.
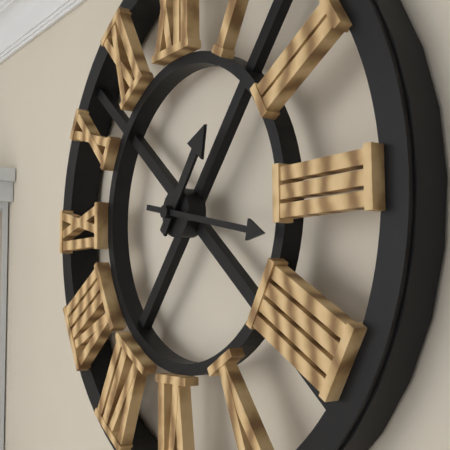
1:17
